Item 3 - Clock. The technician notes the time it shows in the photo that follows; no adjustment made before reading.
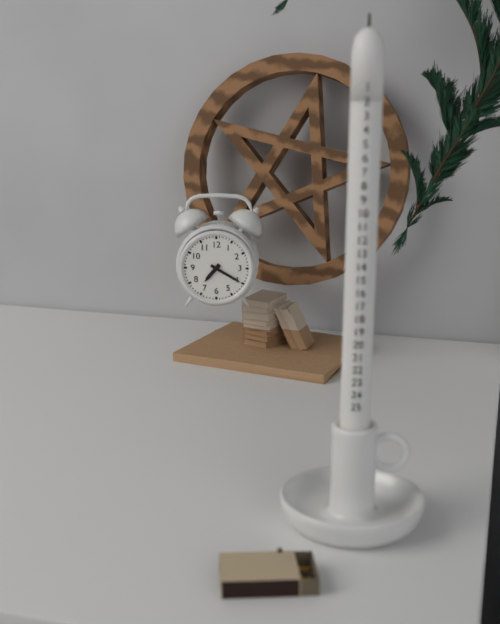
7:20
